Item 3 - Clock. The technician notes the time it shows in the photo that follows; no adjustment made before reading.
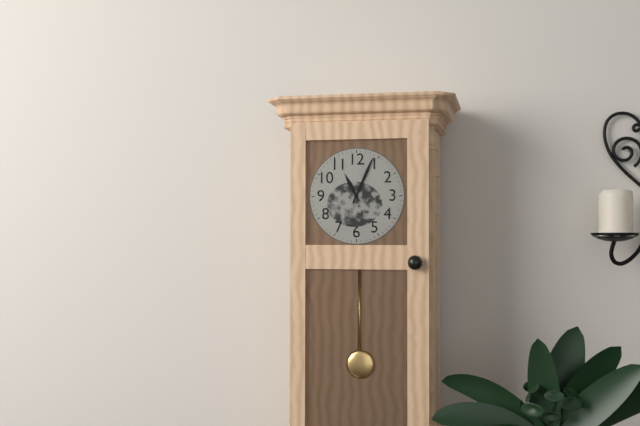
11:04
